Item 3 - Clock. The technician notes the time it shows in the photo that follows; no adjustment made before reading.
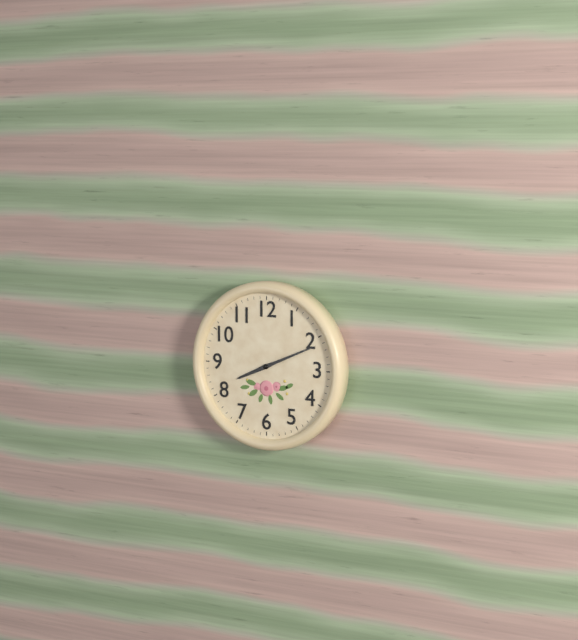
8:11
